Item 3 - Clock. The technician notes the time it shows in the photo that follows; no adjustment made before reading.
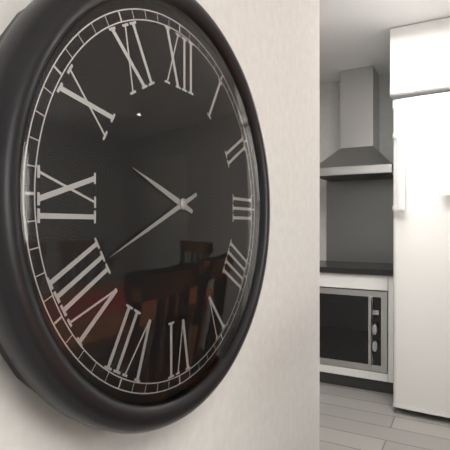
9:41
